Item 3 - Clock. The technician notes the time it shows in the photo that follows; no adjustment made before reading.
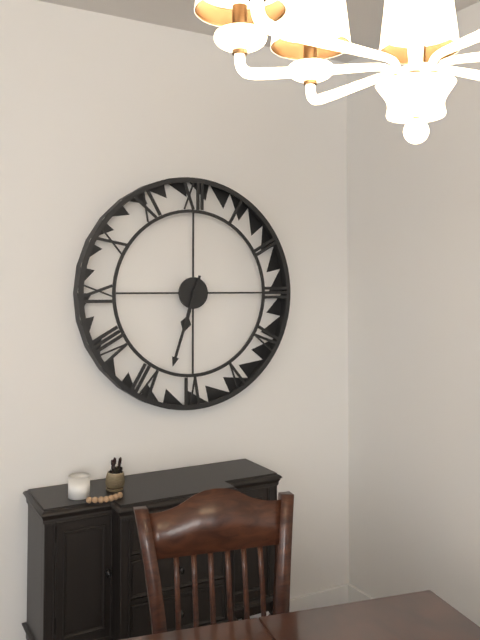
6:33
